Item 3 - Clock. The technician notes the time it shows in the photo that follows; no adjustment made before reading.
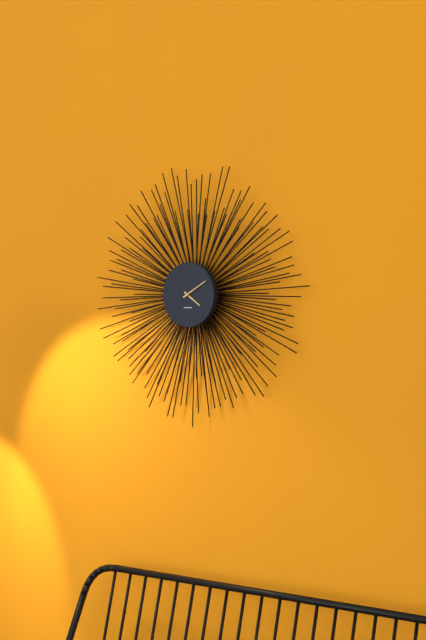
4:10
